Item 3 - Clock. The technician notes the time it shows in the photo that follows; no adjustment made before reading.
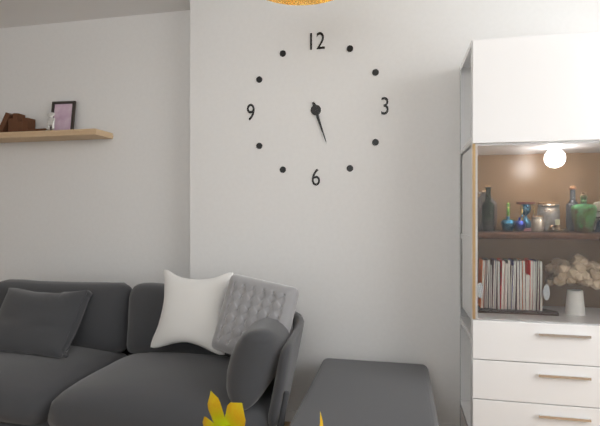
5:27
